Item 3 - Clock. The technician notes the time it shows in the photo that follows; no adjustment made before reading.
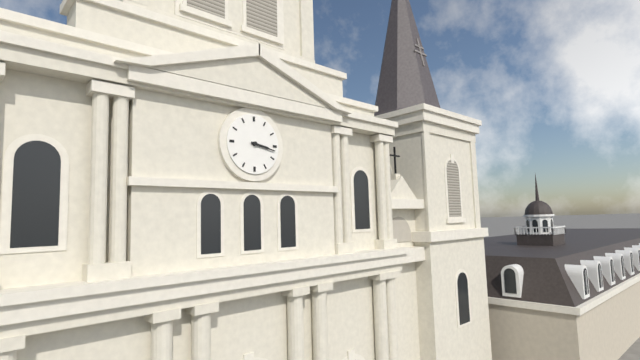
3:17
